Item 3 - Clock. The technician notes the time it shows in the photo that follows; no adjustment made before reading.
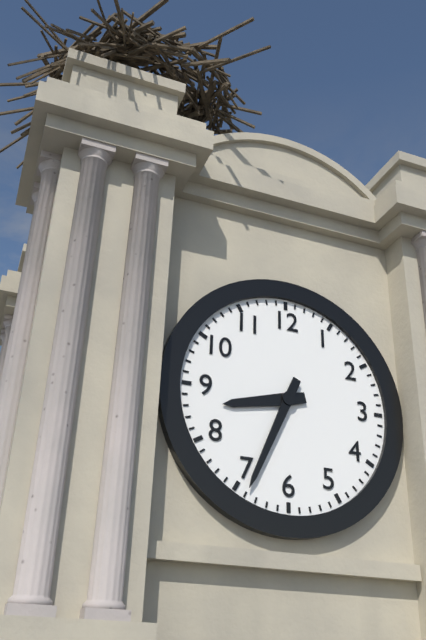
8:34
